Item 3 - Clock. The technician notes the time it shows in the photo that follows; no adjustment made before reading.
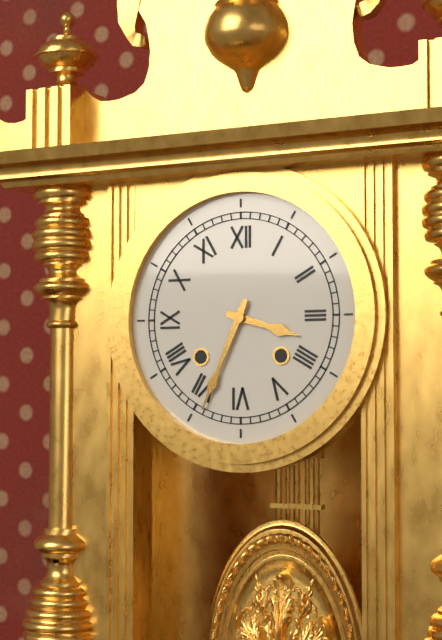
3:34
